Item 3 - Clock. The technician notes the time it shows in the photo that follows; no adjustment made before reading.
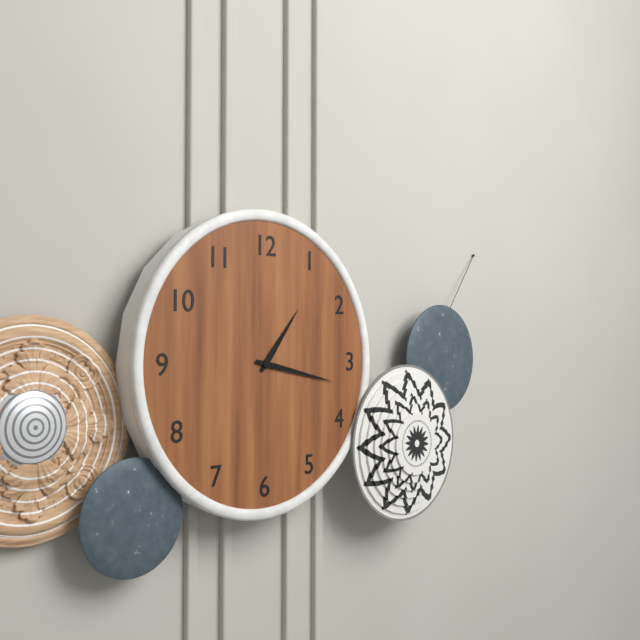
1:17
